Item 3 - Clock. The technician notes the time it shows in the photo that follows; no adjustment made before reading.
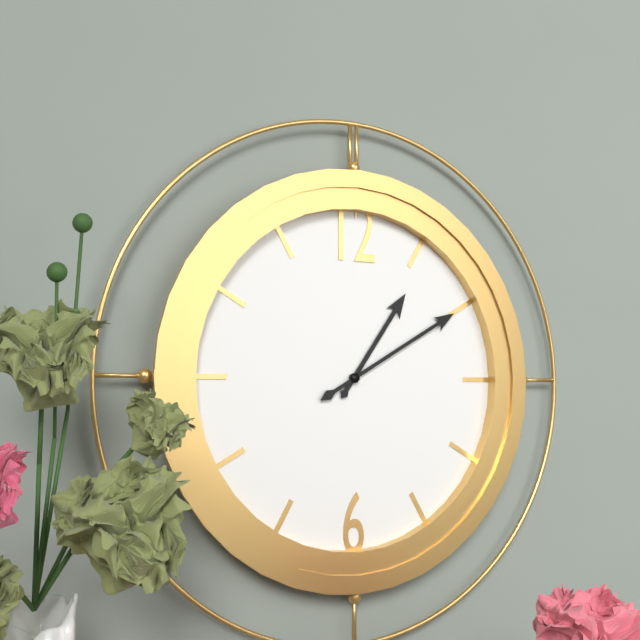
1:10
